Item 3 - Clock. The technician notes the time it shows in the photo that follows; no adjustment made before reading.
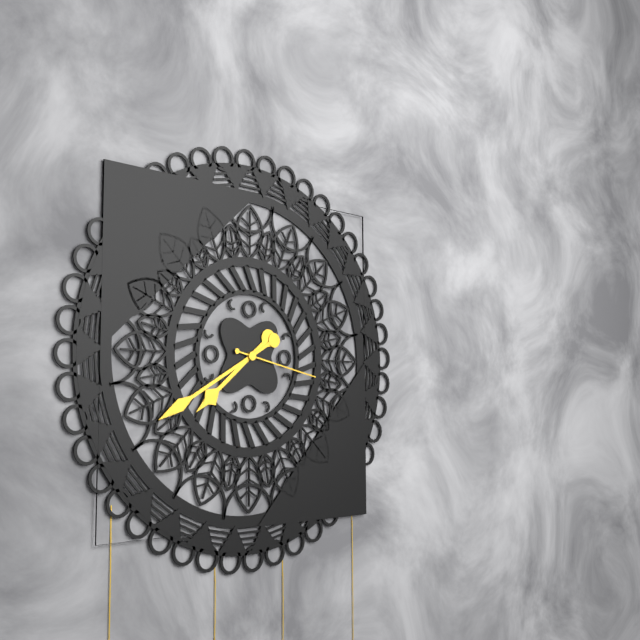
7:40:17
